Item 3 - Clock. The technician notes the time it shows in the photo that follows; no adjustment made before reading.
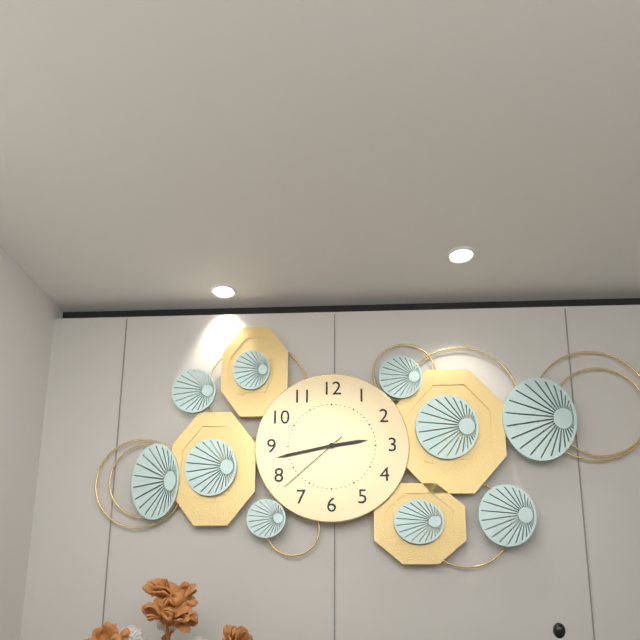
2:43:38
